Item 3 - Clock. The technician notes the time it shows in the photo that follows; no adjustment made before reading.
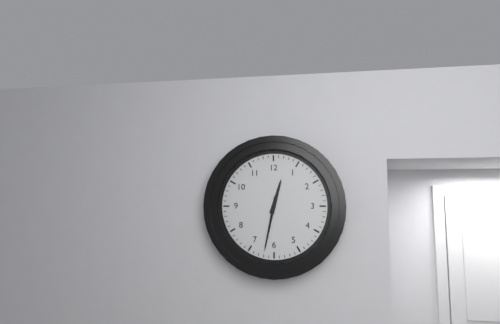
12:32
